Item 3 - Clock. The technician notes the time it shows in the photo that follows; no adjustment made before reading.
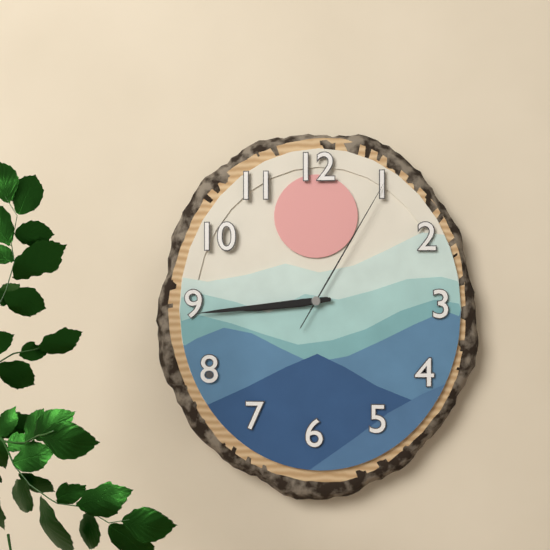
8:44:05
